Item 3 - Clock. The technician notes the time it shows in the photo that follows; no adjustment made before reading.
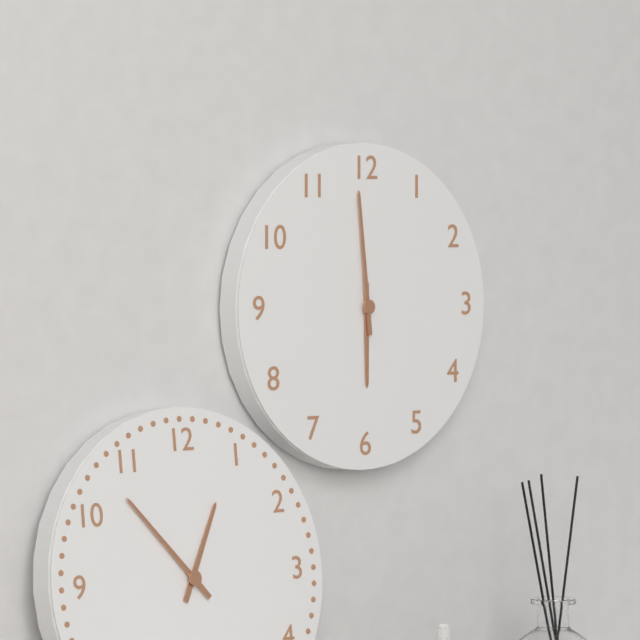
5:59
